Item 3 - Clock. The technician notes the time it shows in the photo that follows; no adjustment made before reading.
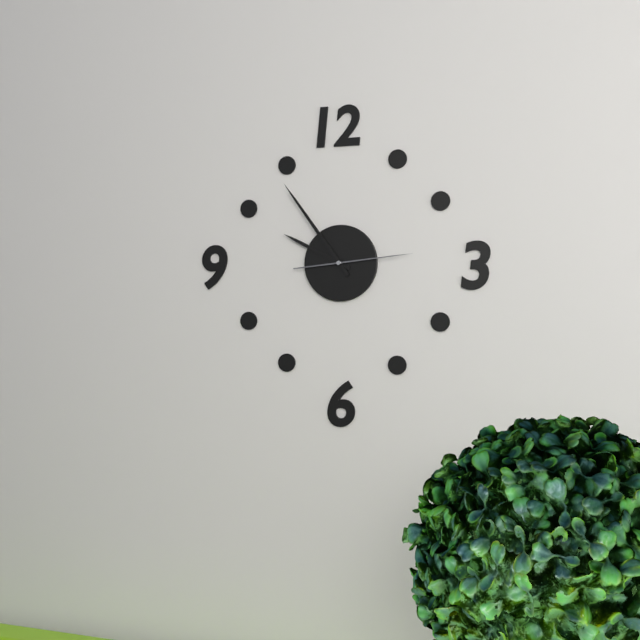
9:54:14
